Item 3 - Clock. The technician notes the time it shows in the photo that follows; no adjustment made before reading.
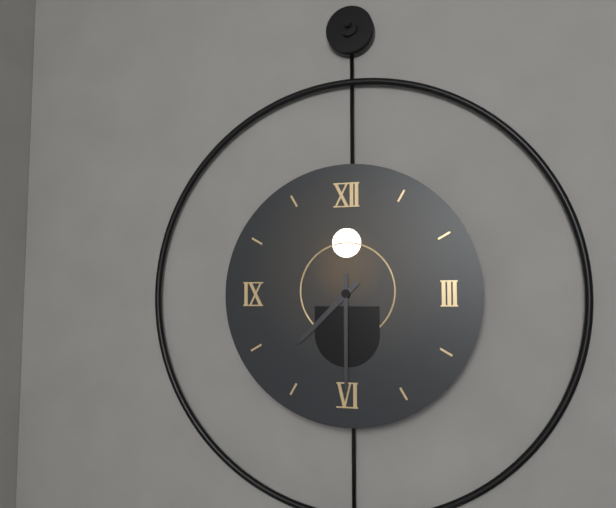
7:30
